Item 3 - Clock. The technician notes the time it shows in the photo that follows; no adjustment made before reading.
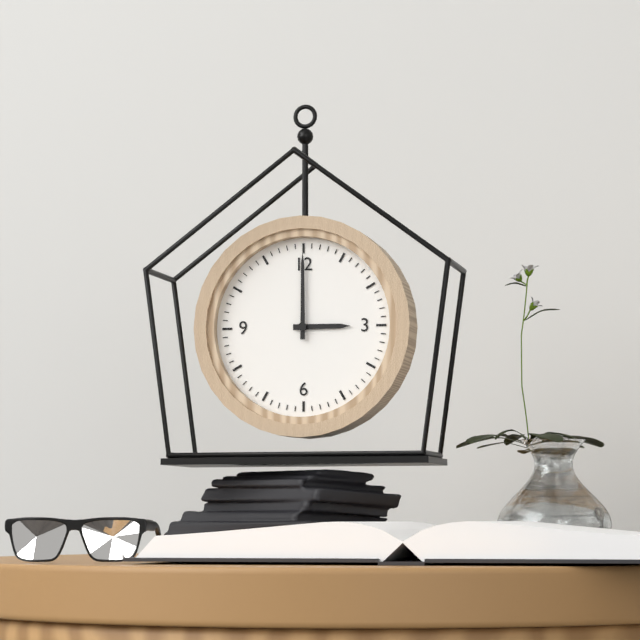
3:00
